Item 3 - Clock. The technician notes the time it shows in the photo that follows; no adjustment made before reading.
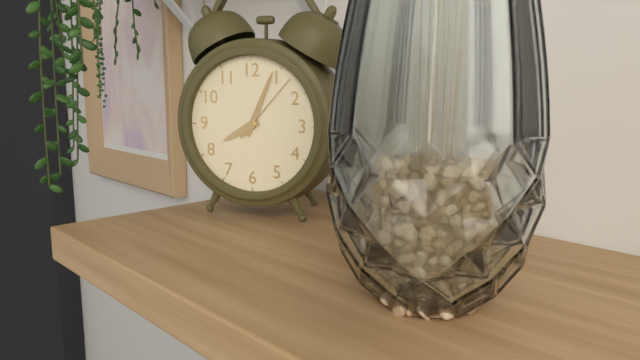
8:04:07
